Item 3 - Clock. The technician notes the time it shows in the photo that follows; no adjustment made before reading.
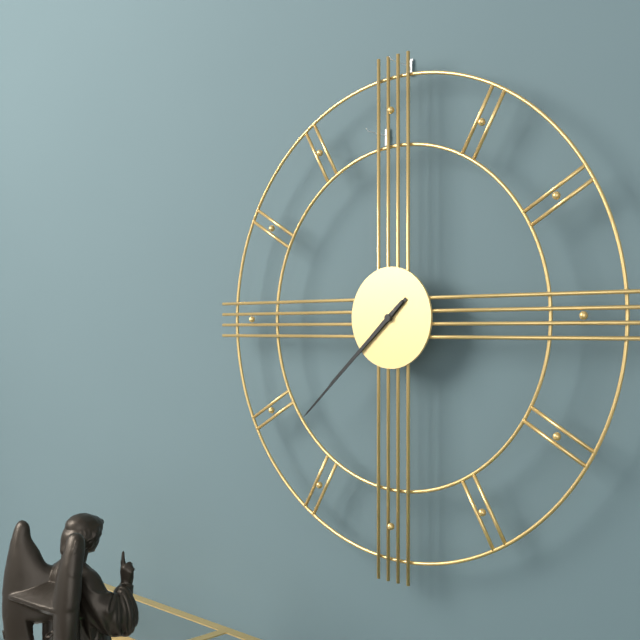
7:38
